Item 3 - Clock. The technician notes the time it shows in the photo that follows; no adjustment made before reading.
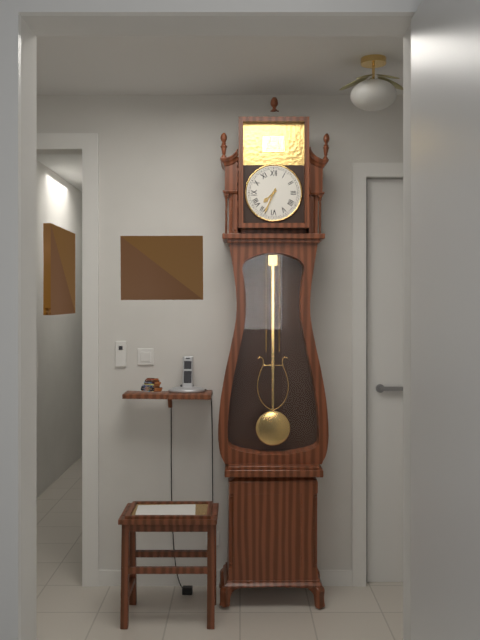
7:34
